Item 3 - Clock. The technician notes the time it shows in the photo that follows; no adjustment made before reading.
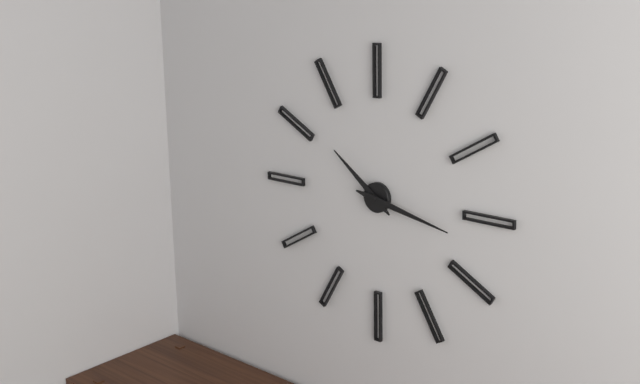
10:17
